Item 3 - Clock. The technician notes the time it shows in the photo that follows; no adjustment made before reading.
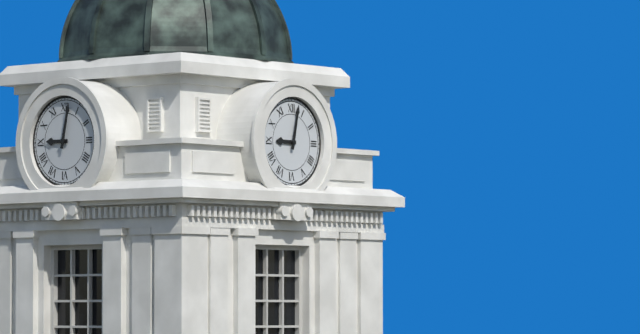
9:02
